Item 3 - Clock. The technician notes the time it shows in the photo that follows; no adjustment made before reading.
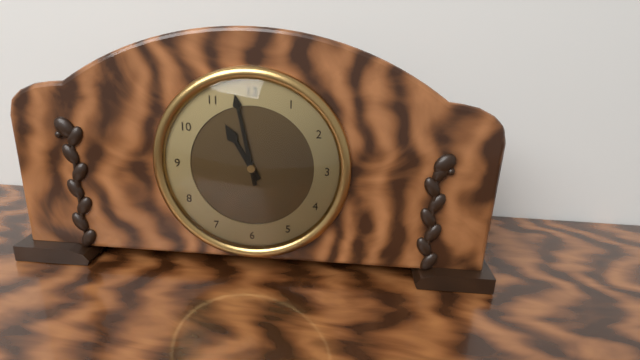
10:58
